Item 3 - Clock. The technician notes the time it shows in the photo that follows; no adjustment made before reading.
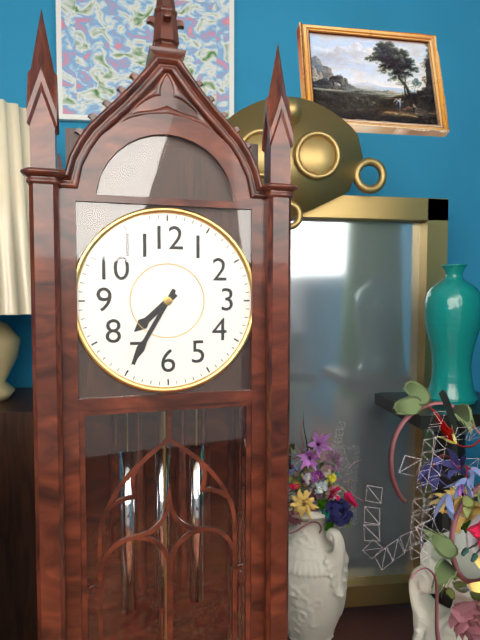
7:35
